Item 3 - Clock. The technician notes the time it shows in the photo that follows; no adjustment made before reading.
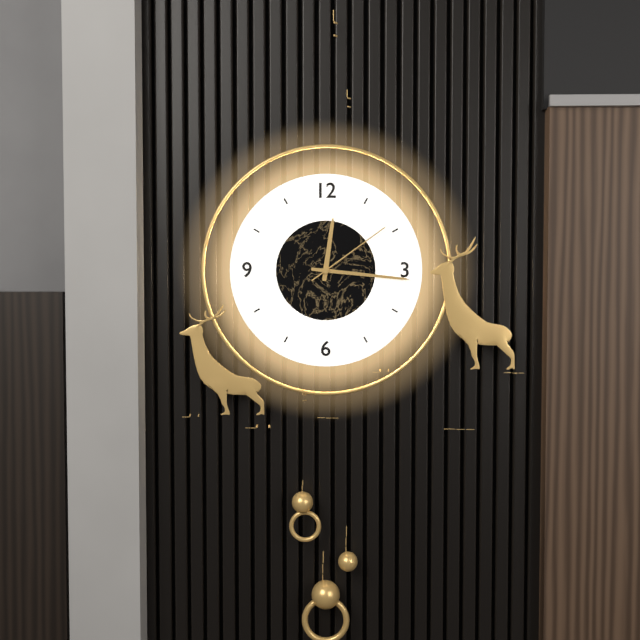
12:16:09
